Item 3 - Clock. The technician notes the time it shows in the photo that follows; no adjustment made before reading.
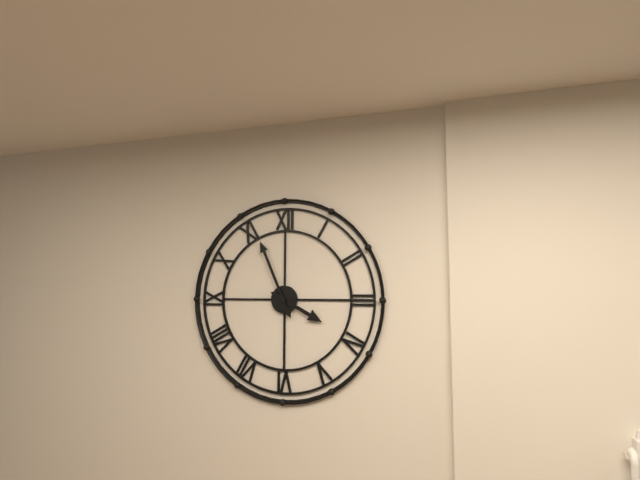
3:56
